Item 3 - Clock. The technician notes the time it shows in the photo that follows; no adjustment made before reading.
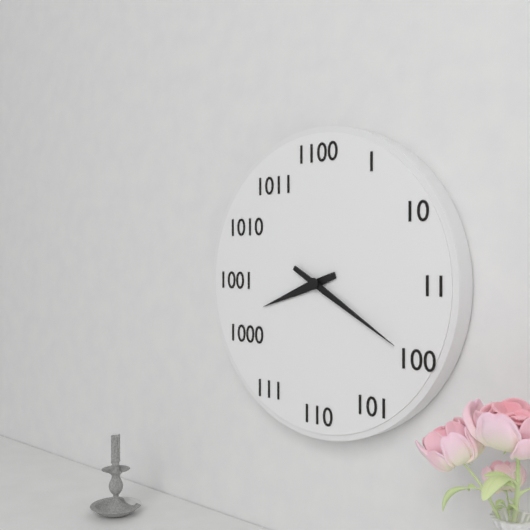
8:20
